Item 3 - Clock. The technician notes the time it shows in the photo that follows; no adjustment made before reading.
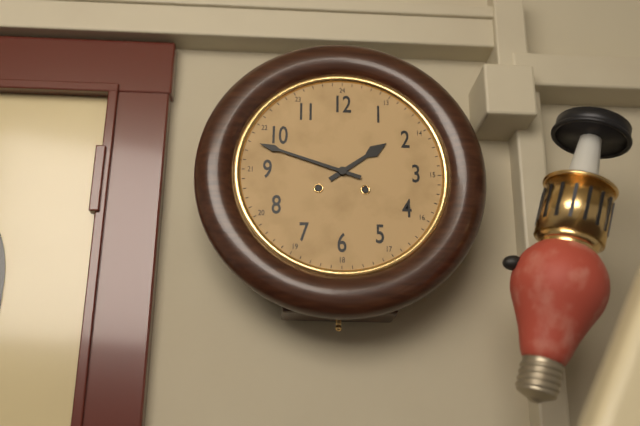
1:48
